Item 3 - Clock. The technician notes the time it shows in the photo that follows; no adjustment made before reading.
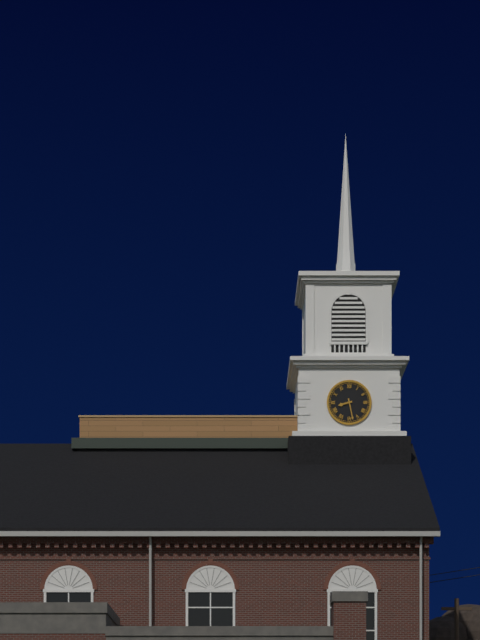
8:28
